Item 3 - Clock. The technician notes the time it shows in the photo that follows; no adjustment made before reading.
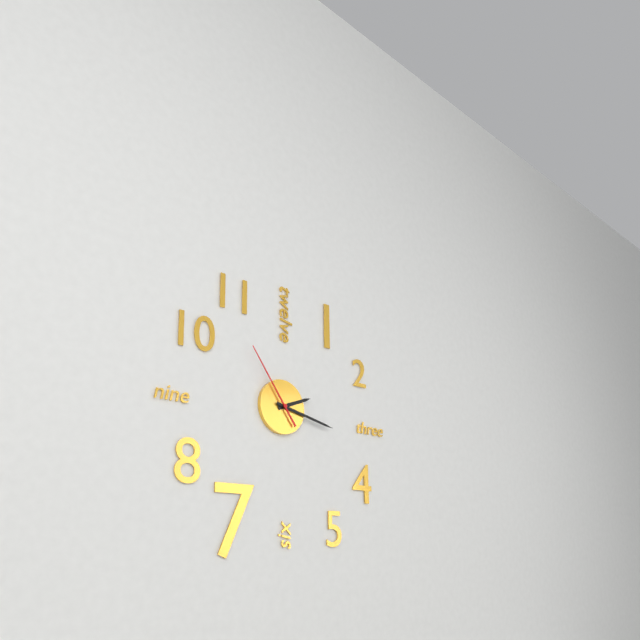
2:17:54
